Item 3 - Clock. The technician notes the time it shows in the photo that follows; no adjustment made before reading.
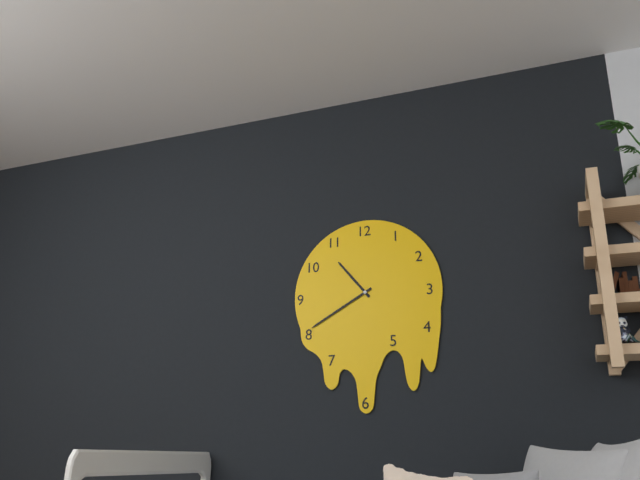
10:40
